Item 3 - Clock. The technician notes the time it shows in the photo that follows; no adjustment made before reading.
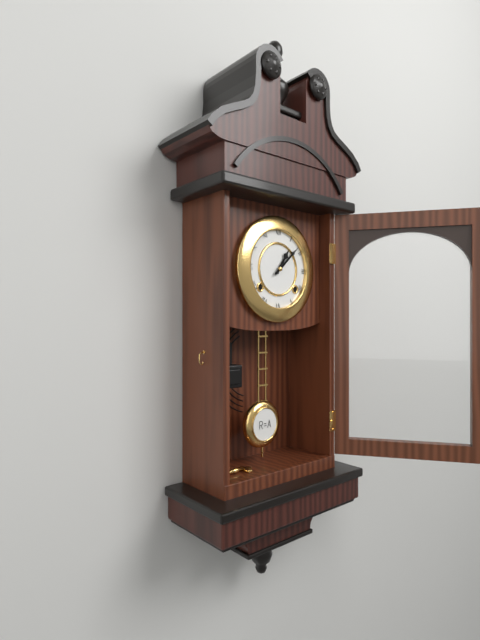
1:08
